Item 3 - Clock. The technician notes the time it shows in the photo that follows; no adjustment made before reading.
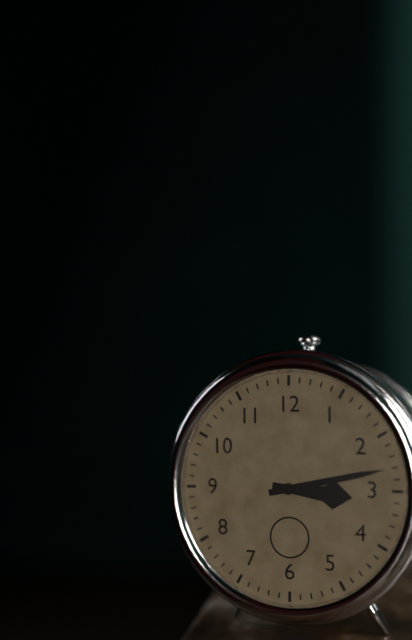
3:13
